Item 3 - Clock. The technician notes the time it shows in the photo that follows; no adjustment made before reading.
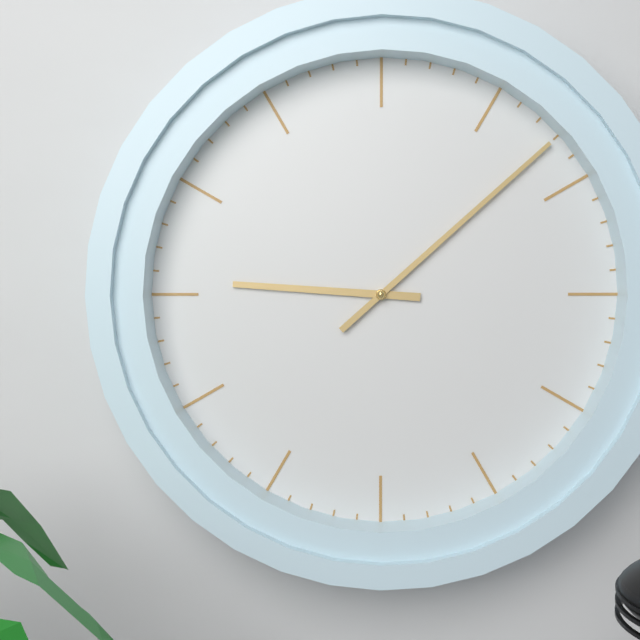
9:08
